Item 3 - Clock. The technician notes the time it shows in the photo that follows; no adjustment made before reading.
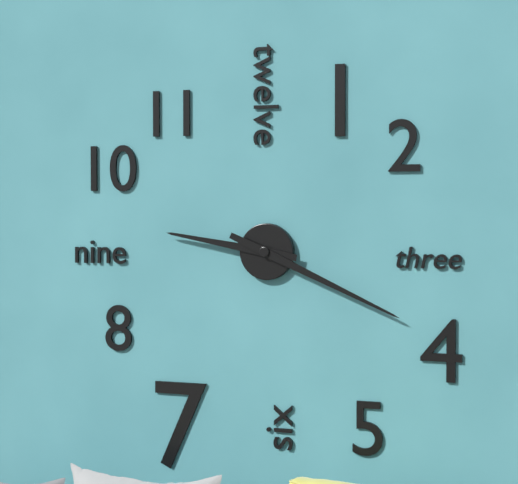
9:19
